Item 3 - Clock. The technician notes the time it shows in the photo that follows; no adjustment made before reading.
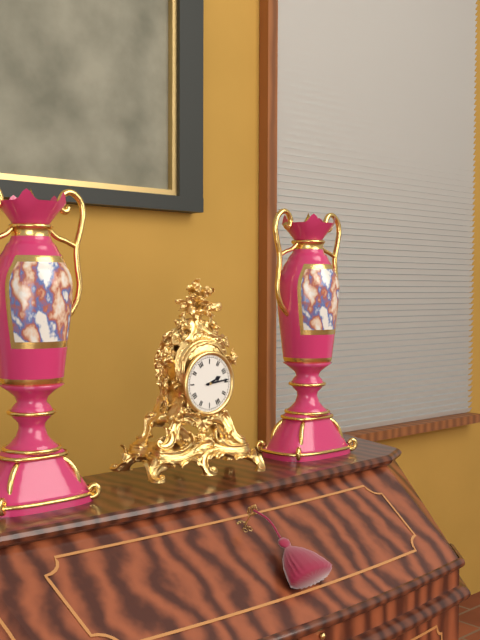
2:14
